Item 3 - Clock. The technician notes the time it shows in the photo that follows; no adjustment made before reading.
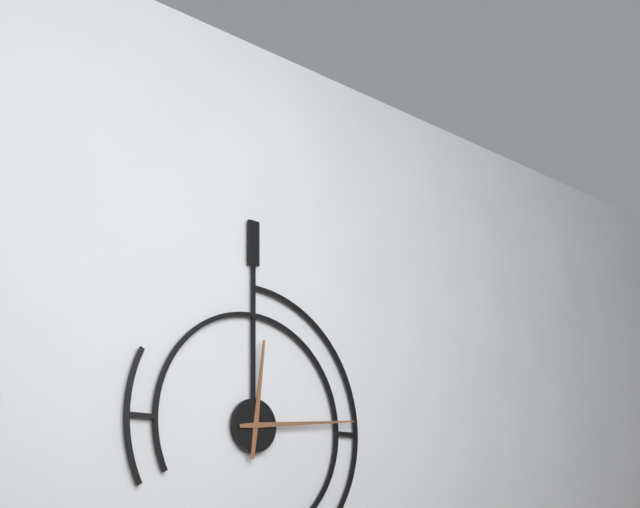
12:14
